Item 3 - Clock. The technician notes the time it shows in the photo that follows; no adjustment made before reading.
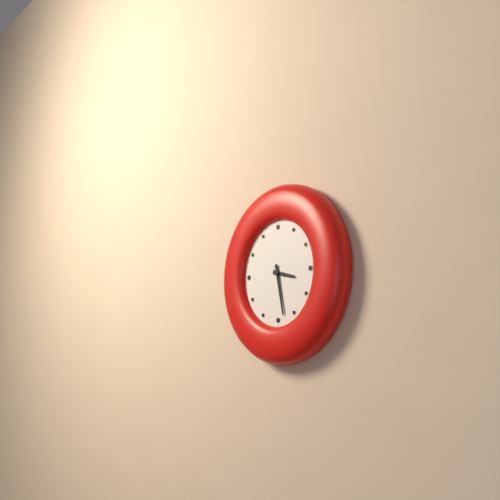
3:28
